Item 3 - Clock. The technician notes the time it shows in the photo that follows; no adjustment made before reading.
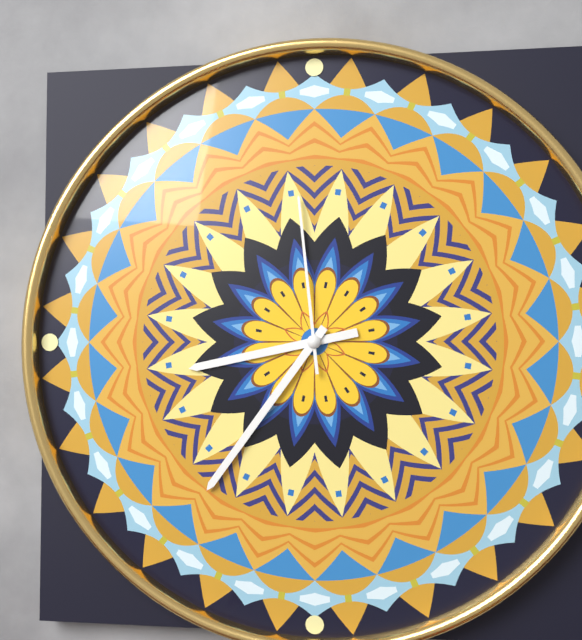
8:36:59
